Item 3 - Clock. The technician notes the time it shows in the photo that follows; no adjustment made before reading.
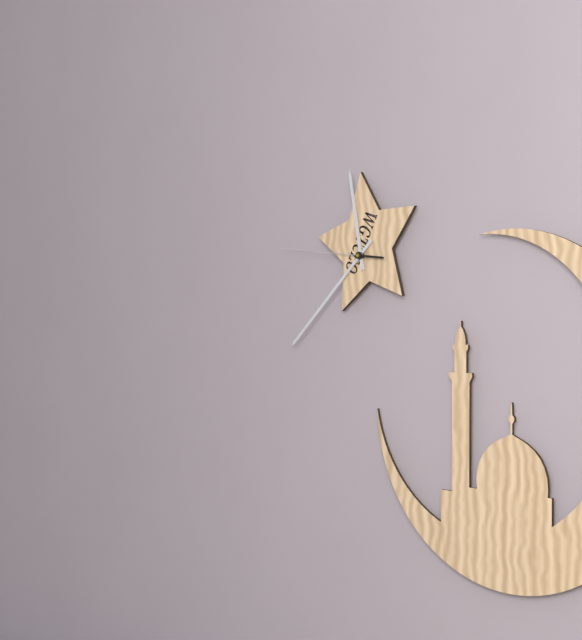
11:38:46
